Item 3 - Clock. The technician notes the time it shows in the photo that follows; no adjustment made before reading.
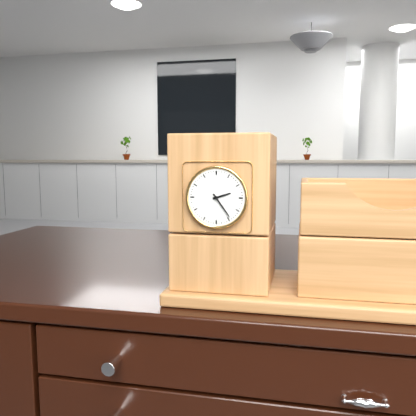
2:24
